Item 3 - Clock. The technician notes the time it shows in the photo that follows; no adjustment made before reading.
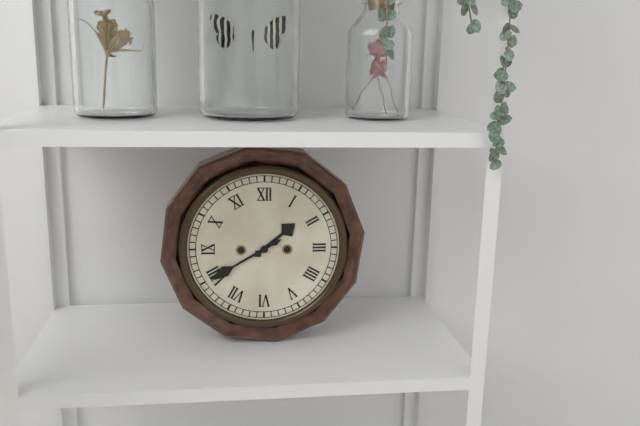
1:40
